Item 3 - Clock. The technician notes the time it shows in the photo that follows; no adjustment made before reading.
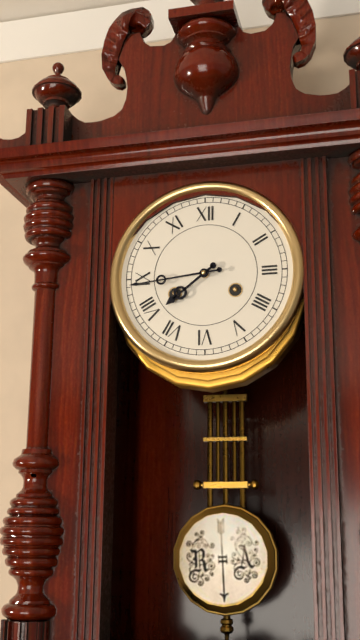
7:44
